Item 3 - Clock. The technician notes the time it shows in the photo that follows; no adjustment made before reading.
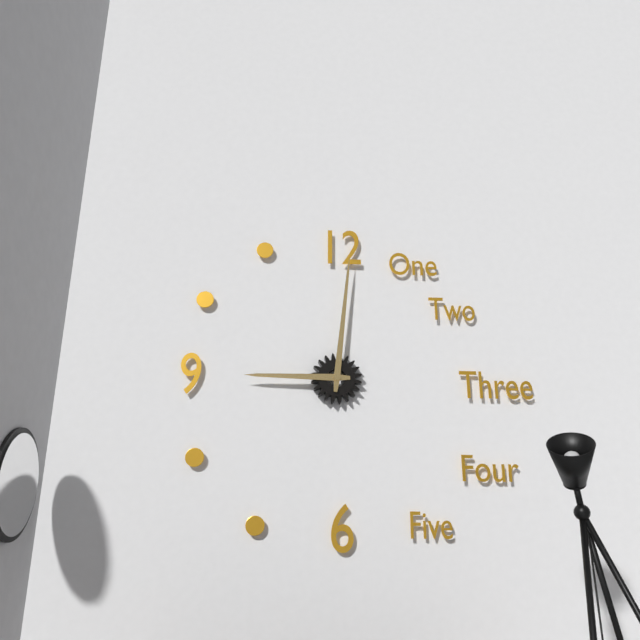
9:01
